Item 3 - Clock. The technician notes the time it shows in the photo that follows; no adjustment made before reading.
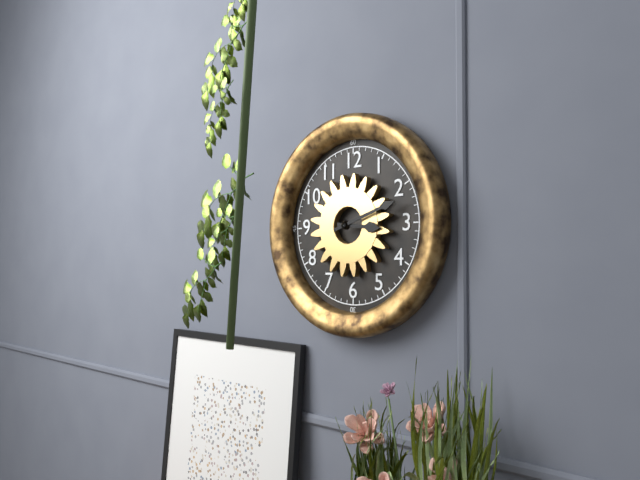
3:12
